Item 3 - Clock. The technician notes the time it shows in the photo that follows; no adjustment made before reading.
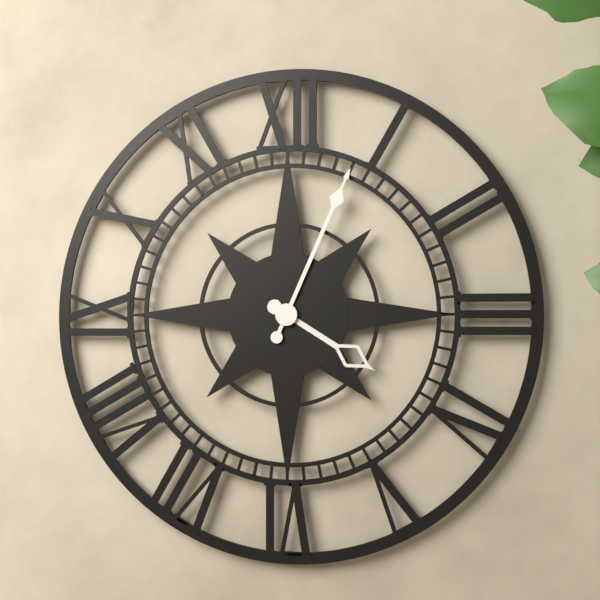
4:04
